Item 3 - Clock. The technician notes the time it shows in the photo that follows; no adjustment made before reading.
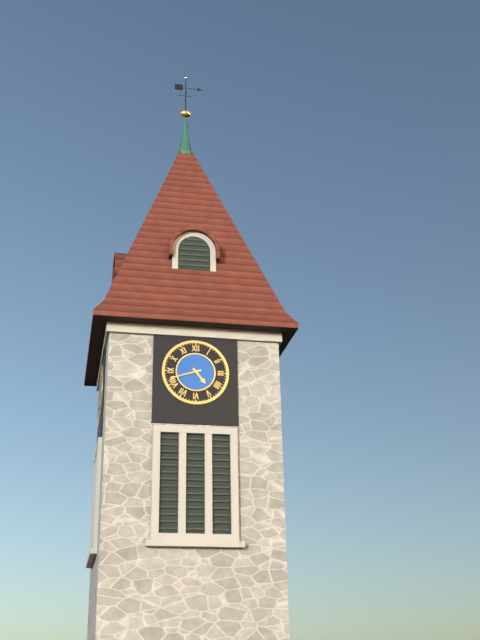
4:42
